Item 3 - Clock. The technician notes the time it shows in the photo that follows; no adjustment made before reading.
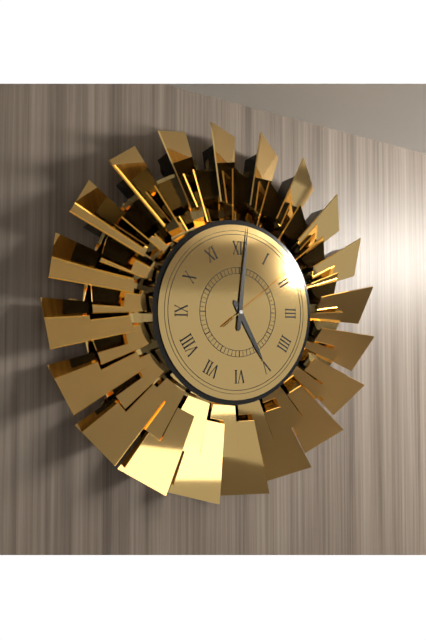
5:01:09
